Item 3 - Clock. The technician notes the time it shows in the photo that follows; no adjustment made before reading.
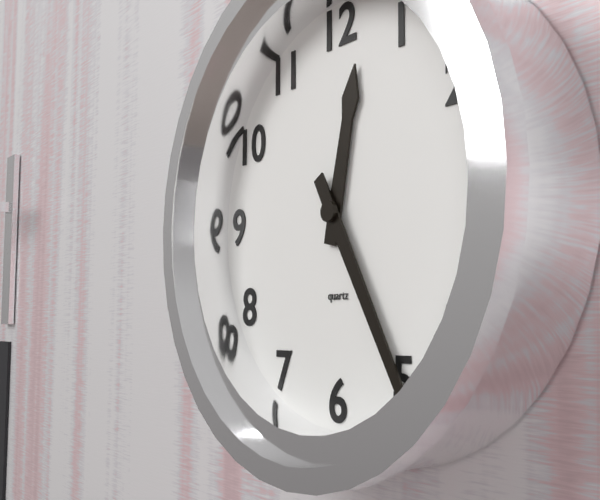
12:25
